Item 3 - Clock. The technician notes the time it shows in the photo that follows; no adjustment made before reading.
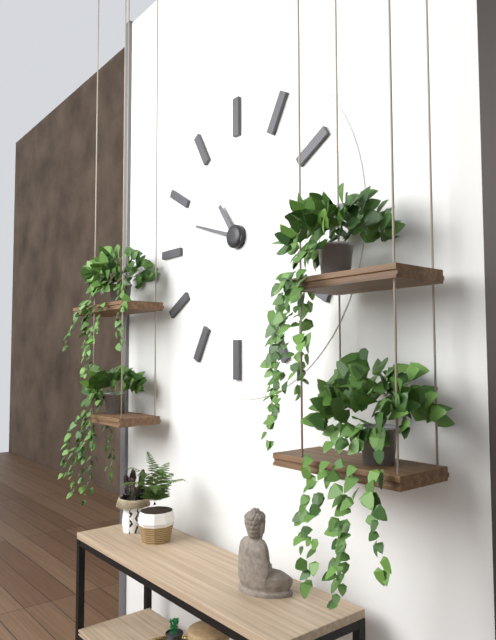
10:48
